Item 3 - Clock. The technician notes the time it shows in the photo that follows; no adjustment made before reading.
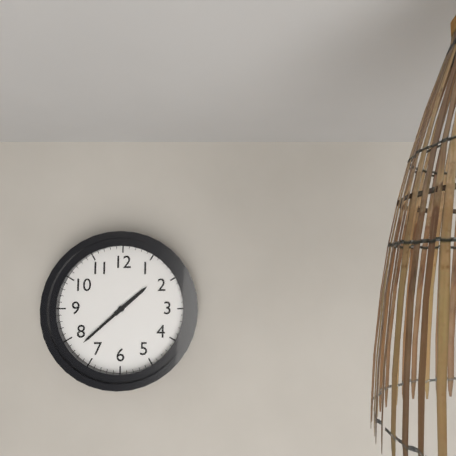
1:38
